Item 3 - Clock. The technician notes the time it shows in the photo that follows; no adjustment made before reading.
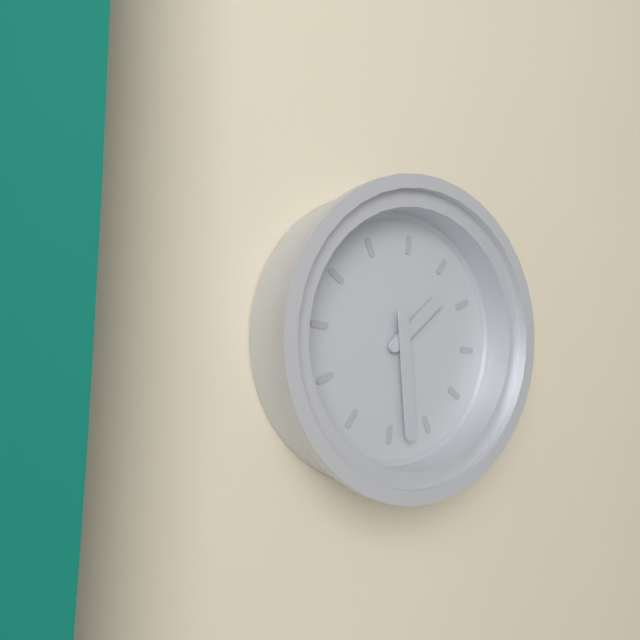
1:28
